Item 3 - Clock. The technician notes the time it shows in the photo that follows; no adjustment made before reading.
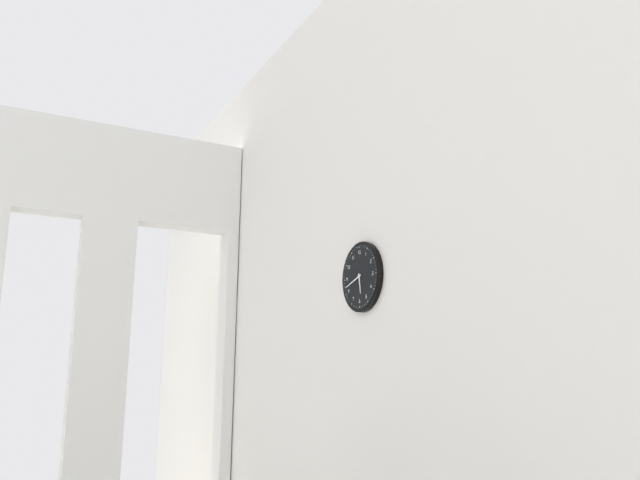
5:42
